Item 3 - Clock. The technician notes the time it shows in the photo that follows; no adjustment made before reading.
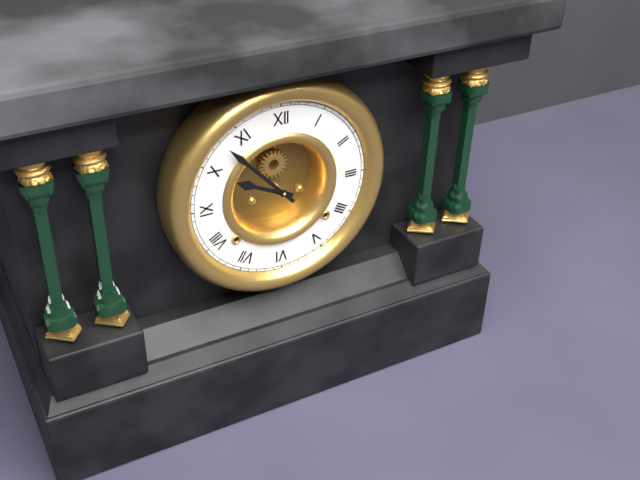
9:53
